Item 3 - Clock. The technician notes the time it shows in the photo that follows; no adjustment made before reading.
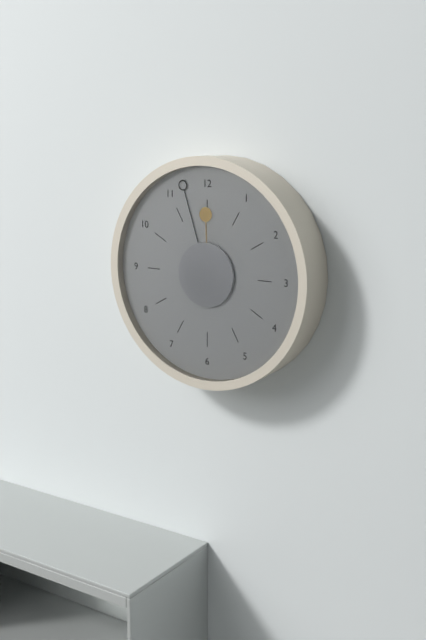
11:57
